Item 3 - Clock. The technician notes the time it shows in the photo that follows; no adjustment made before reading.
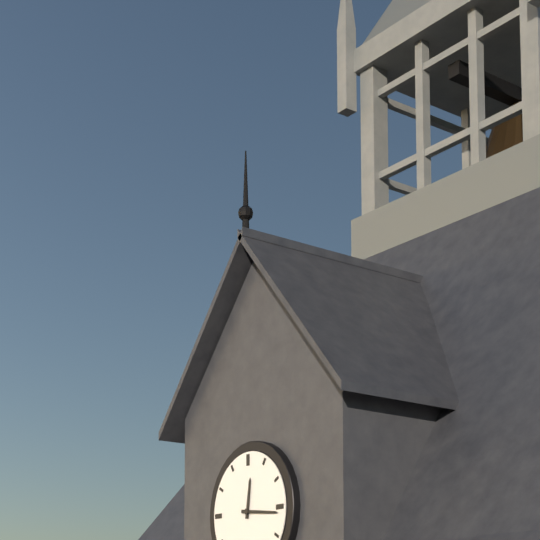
12:16
